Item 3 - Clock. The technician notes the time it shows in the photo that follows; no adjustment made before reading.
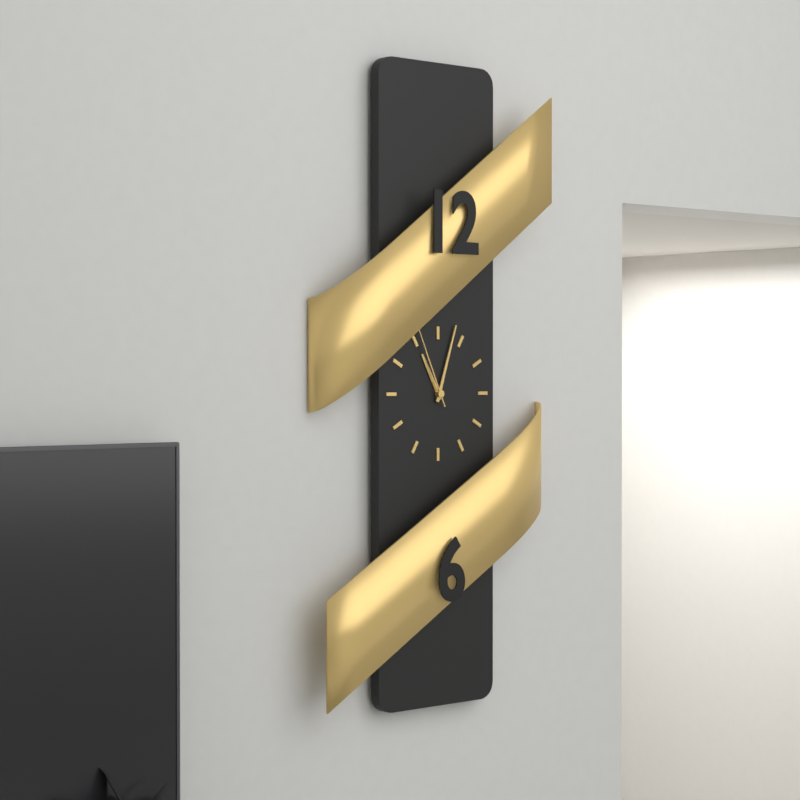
11:03:56
